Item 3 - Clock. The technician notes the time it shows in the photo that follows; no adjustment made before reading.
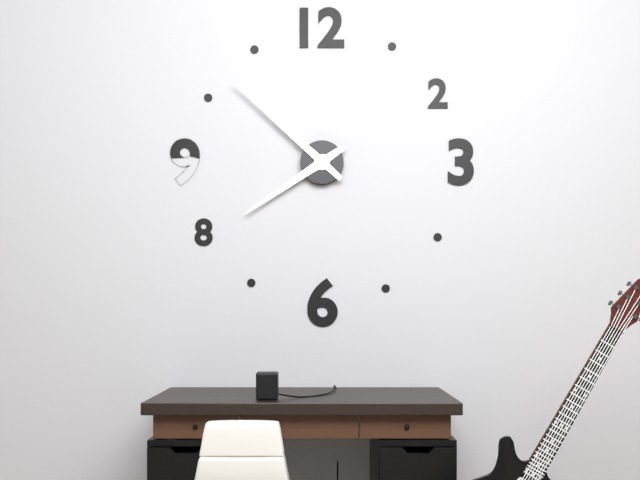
7:52
